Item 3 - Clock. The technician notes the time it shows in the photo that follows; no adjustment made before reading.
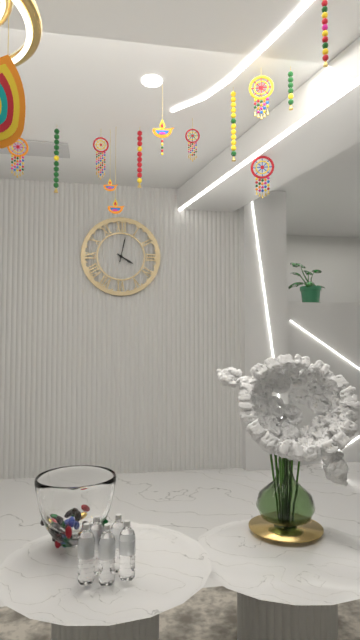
4:02
